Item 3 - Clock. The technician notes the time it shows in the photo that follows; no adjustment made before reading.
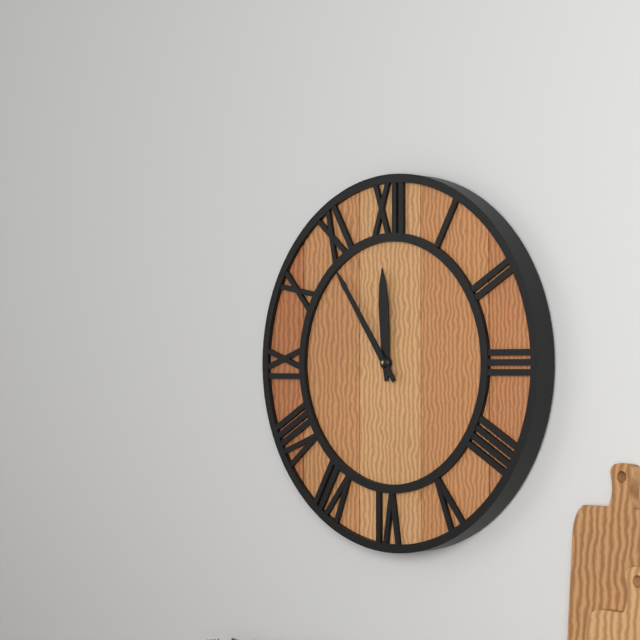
11:54
